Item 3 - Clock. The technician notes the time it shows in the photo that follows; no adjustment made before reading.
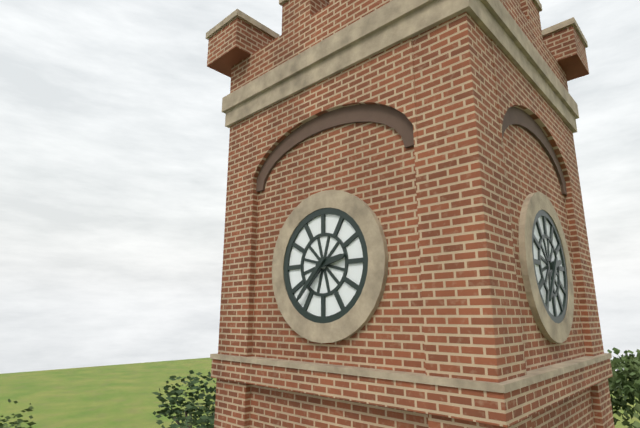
2:37
